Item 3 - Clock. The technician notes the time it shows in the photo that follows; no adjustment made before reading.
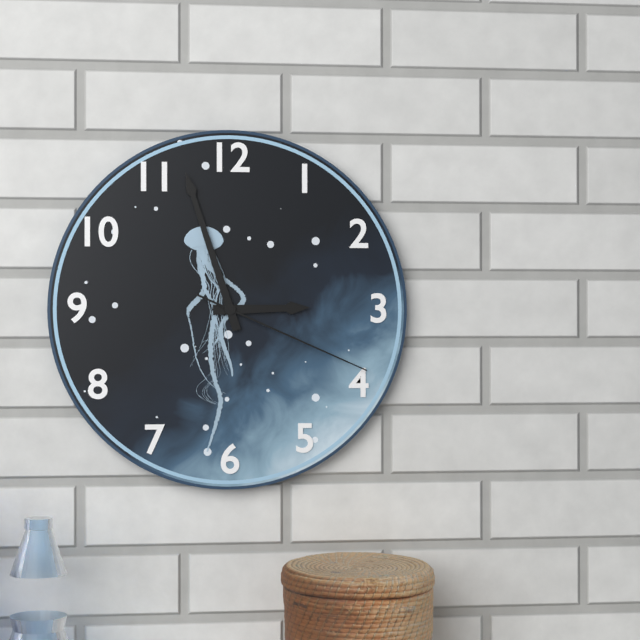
2:57:19
